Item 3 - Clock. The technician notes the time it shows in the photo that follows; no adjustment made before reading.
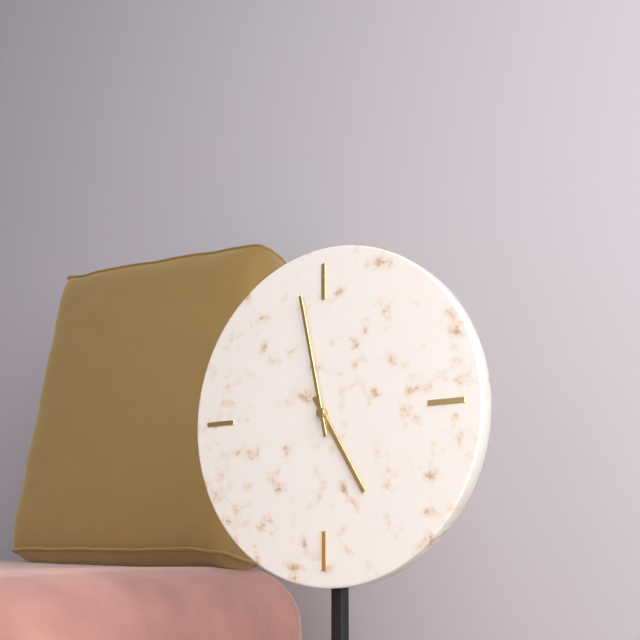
4:58
